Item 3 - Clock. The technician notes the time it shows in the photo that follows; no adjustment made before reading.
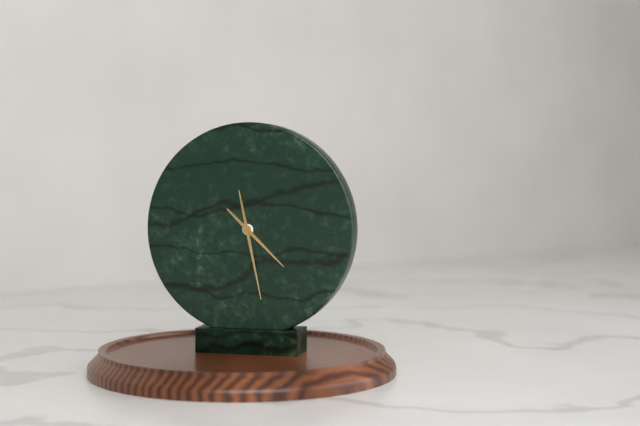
4:28
